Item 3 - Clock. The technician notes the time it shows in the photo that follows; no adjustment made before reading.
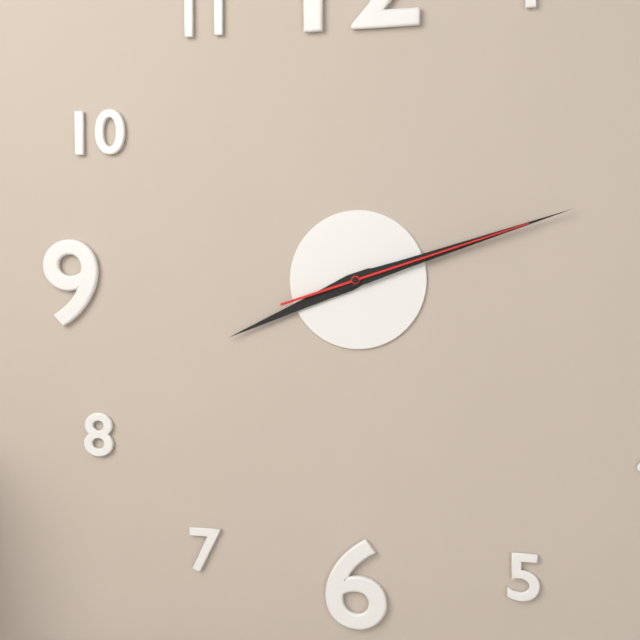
8:12:12
